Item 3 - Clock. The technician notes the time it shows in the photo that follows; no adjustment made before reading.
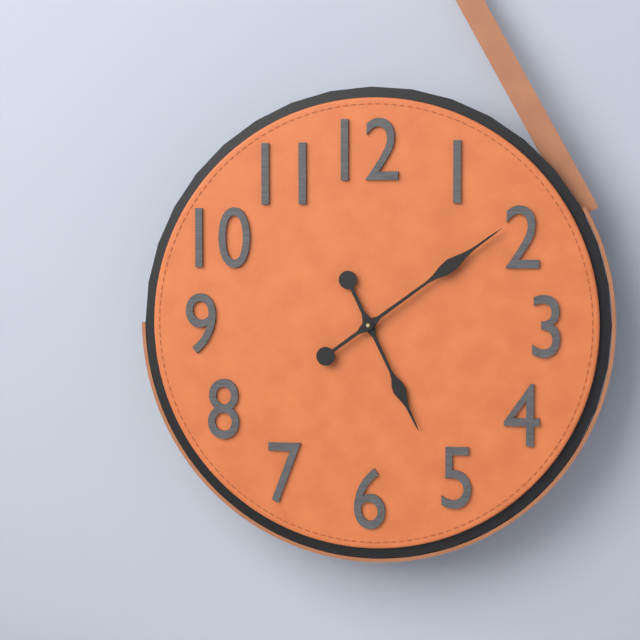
5:09
